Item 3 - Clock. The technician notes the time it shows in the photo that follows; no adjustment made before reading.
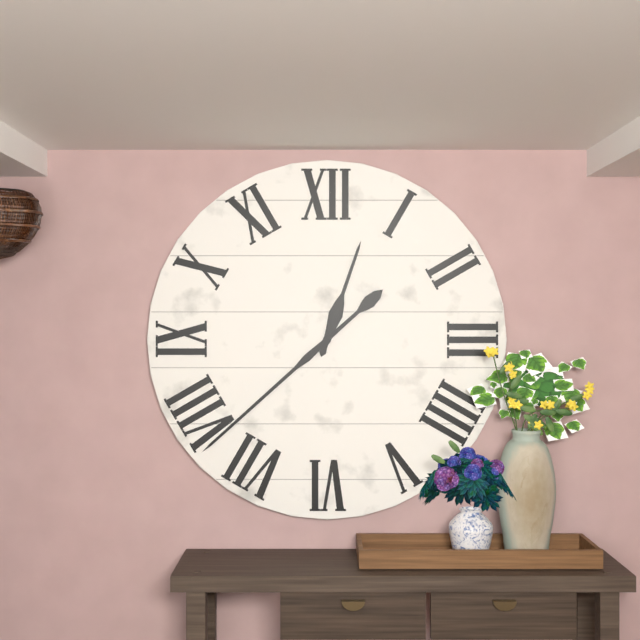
12:38
